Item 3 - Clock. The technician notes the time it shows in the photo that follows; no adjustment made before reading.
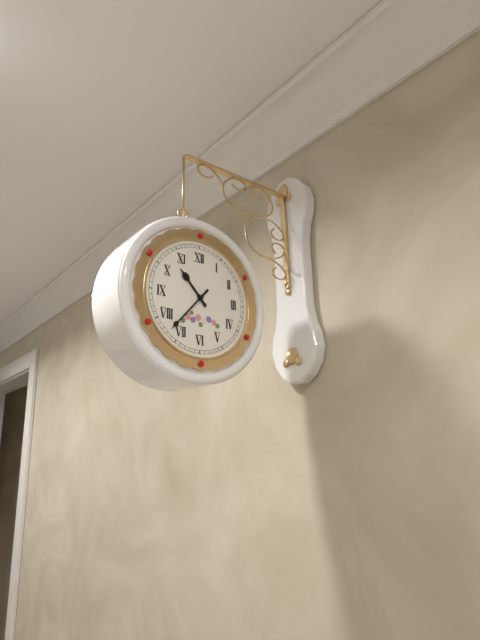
10:37
